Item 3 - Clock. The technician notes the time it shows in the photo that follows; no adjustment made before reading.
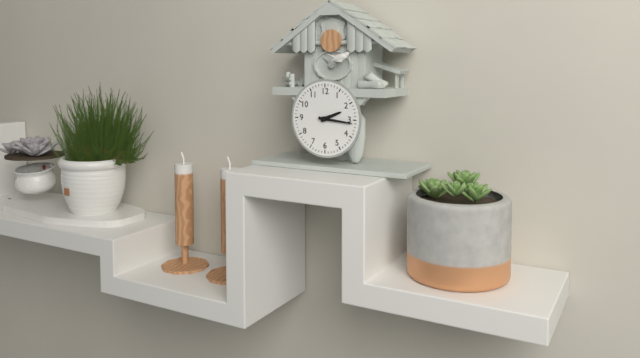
2:16
